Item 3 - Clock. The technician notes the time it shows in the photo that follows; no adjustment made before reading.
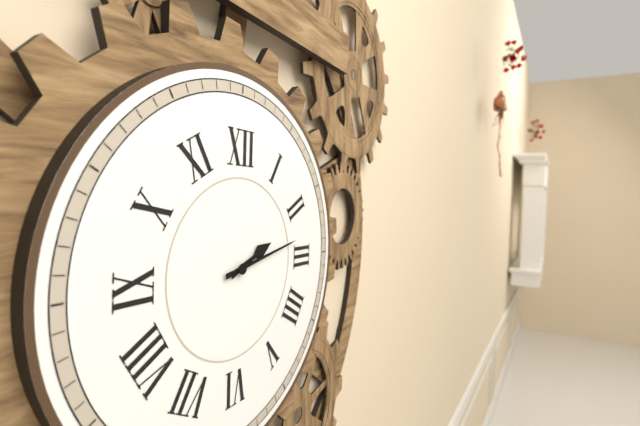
2:13
